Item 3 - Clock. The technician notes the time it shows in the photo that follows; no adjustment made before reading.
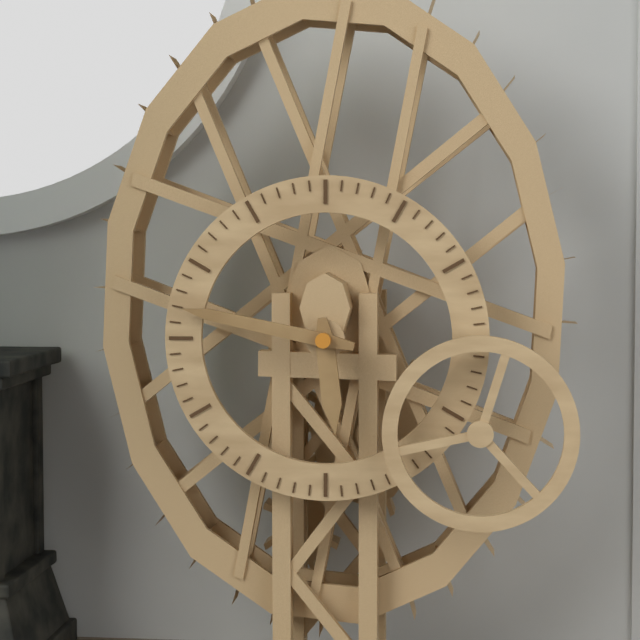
5:47
